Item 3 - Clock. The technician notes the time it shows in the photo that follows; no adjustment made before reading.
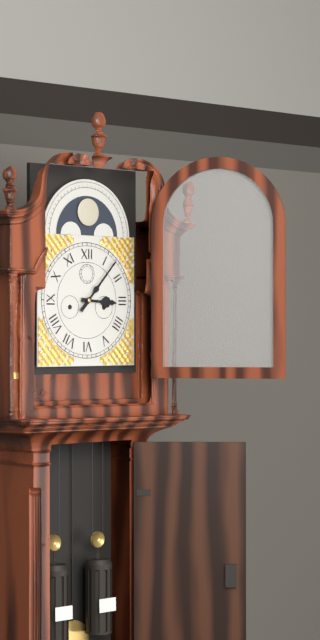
3:07
